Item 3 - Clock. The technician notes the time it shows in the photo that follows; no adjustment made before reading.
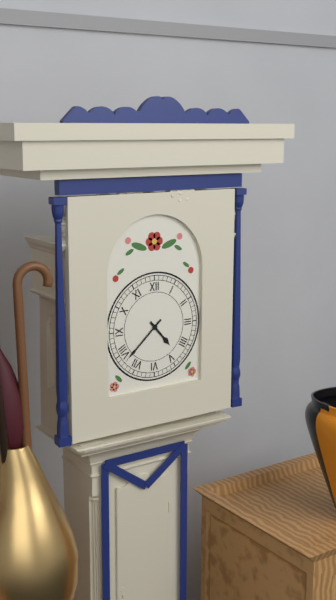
4:38
